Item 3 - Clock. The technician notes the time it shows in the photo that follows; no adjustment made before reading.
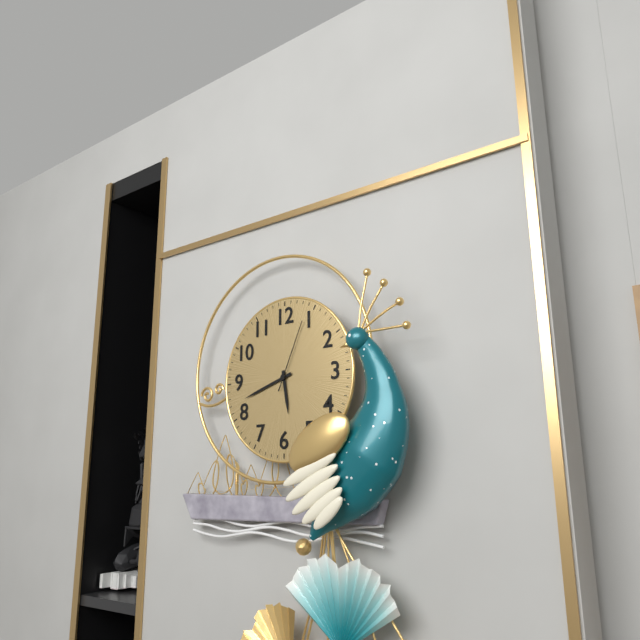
5:42:04
